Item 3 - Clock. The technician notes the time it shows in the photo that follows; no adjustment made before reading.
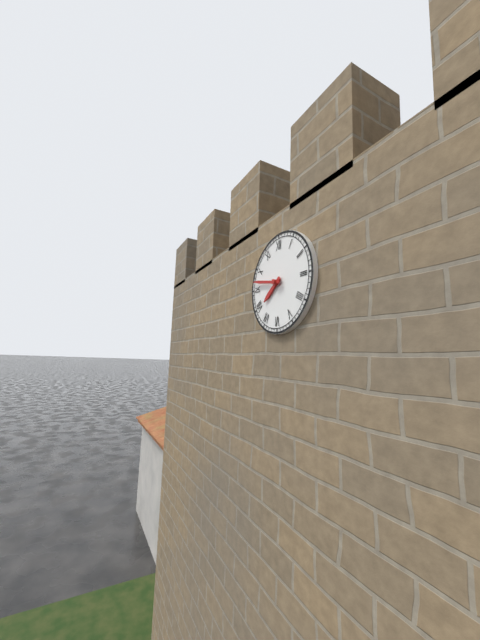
7:47
